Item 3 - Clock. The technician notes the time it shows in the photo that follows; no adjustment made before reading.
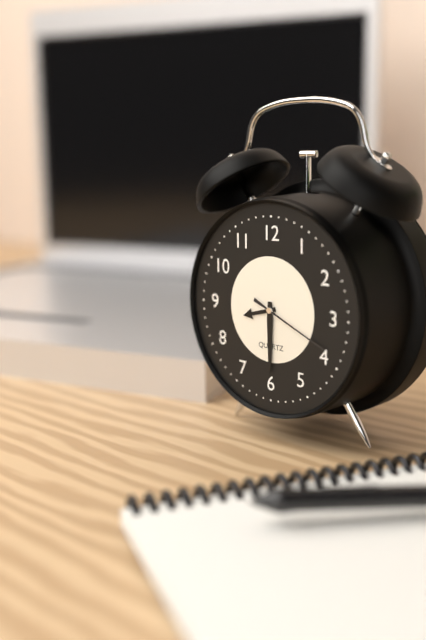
8:30:19
